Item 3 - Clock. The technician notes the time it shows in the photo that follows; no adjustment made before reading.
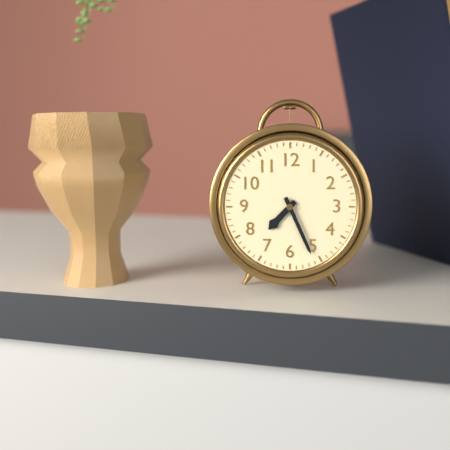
7:26
